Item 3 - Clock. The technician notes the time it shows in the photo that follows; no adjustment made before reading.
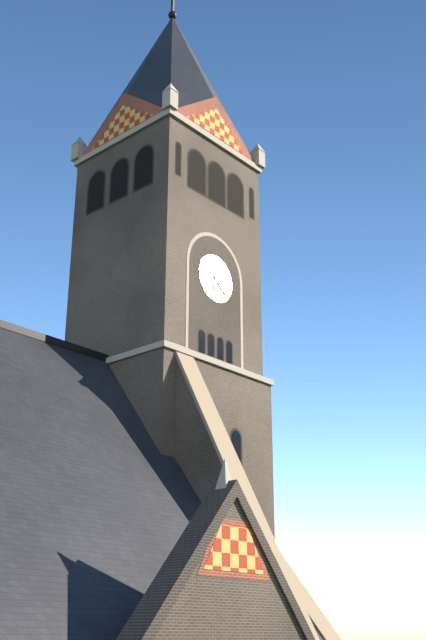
6:22
